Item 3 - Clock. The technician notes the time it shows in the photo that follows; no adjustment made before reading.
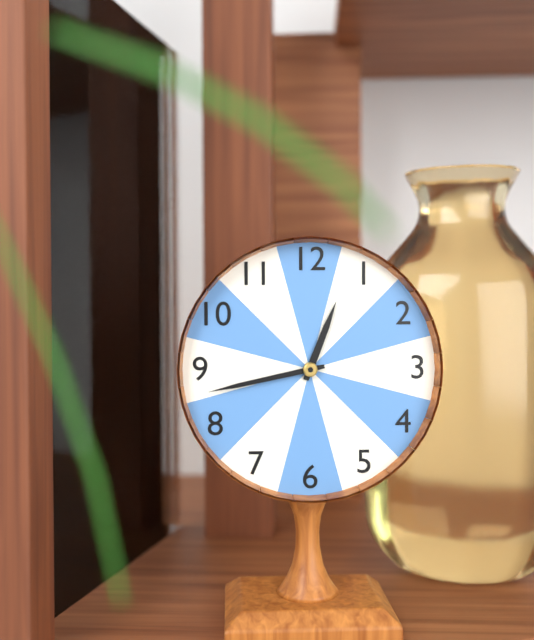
12:43
